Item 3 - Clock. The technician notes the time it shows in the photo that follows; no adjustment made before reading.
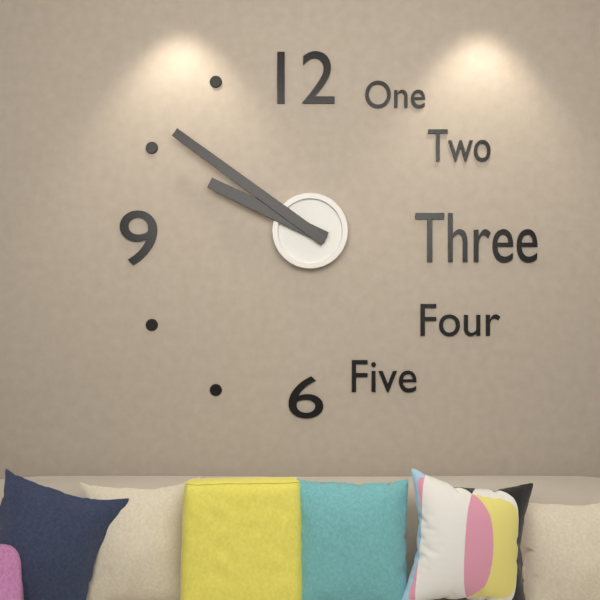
9:51
